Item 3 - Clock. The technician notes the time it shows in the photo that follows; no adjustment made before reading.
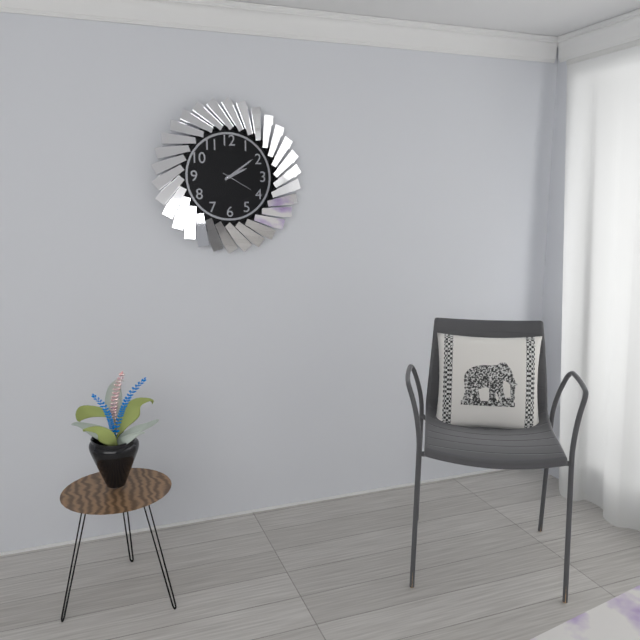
2:09
